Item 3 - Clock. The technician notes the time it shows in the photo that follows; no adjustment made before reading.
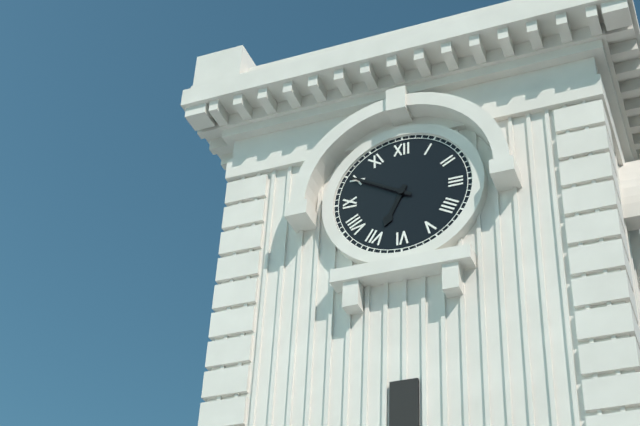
6:50
